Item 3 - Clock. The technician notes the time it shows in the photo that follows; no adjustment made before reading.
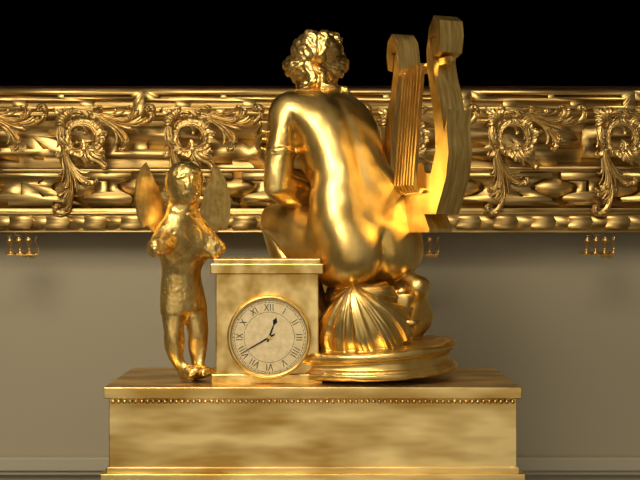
12:40
